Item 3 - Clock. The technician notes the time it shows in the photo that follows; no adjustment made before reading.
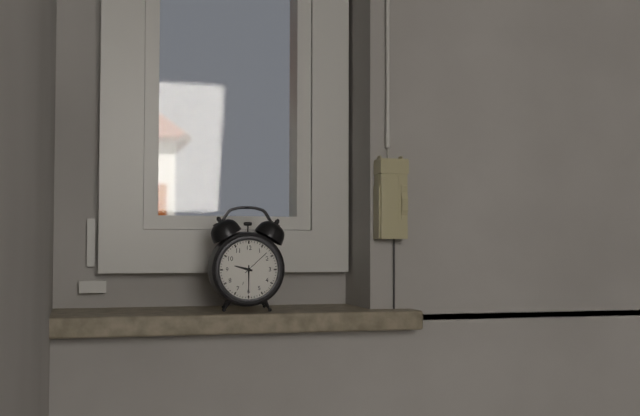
9:30
